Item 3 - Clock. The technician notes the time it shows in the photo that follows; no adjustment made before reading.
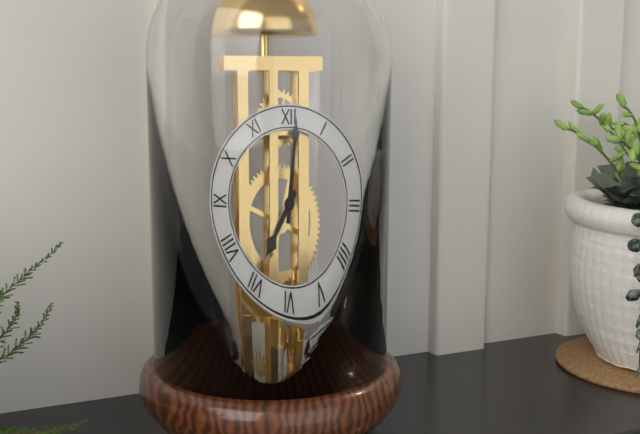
7:01
